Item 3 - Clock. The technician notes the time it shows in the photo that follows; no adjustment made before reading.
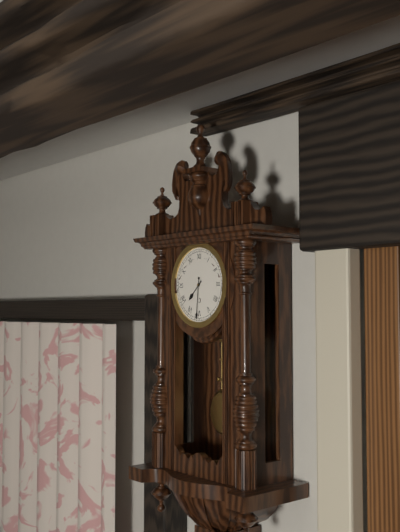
7:31
